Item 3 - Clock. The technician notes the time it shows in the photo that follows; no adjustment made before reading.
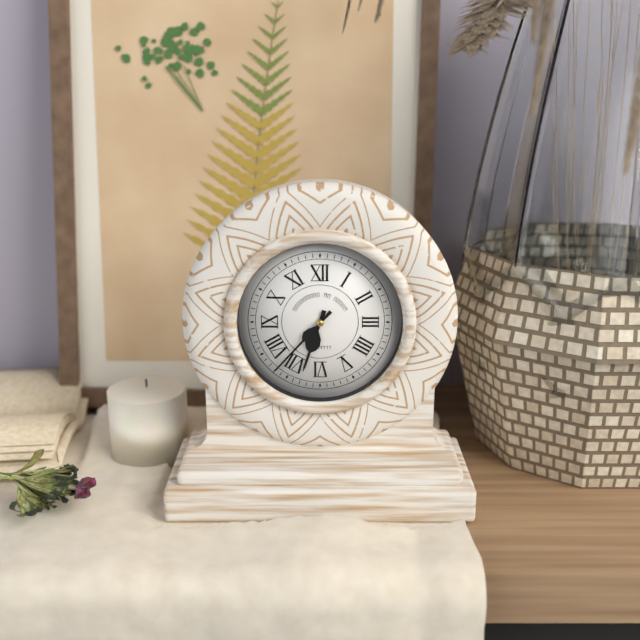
6:37
